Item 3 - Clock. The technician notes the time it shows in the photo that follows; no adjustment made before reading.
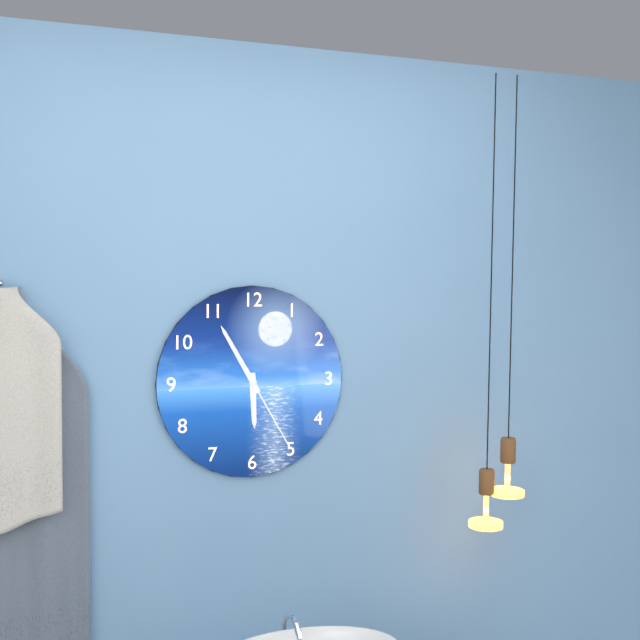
5:55:25
